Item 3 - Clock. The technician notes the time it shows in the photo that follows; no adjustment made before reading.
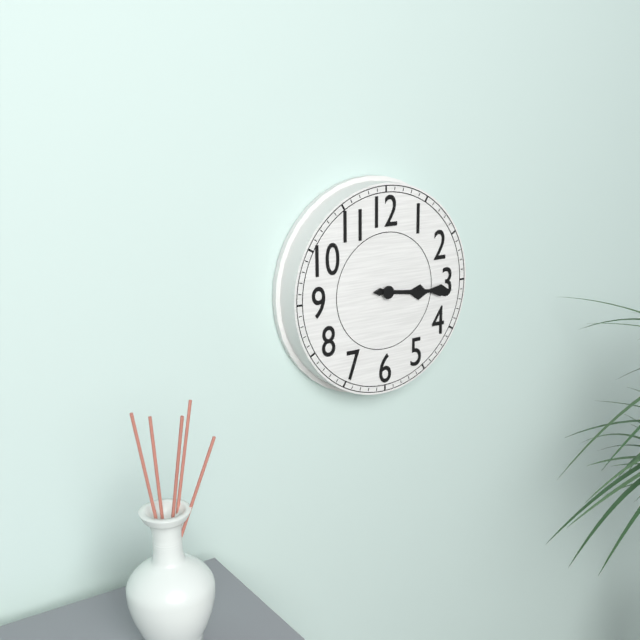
3:16
